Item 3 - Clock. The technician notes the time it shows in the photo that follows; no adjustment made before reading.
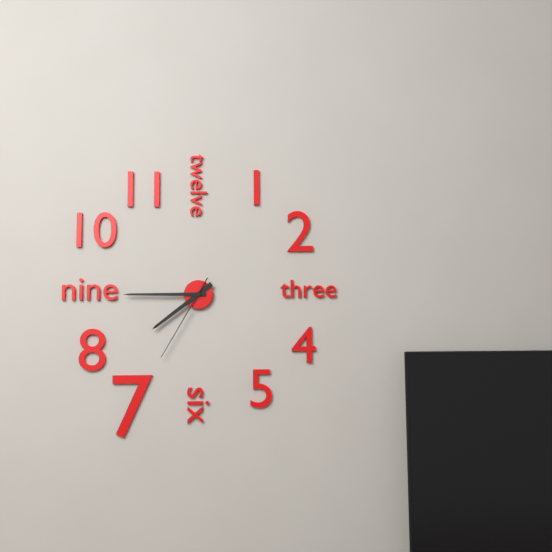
7:45:35
